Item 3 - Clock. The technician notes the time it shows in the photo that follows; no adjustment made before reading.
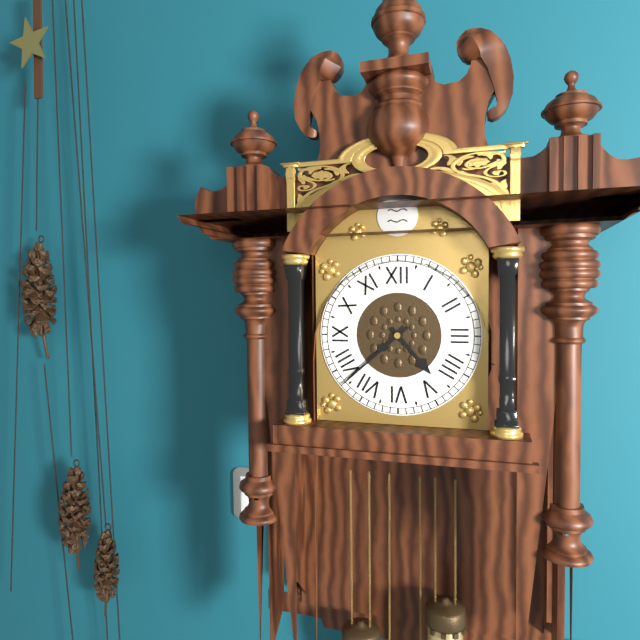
4:38
